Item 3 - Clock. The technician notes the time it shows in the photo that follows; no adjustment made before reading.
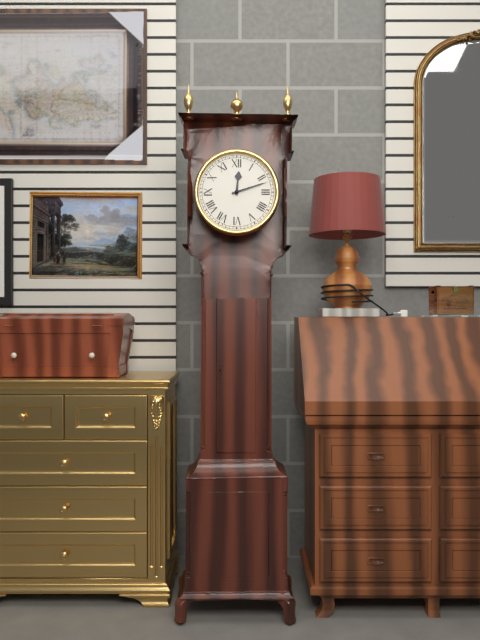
12:12
